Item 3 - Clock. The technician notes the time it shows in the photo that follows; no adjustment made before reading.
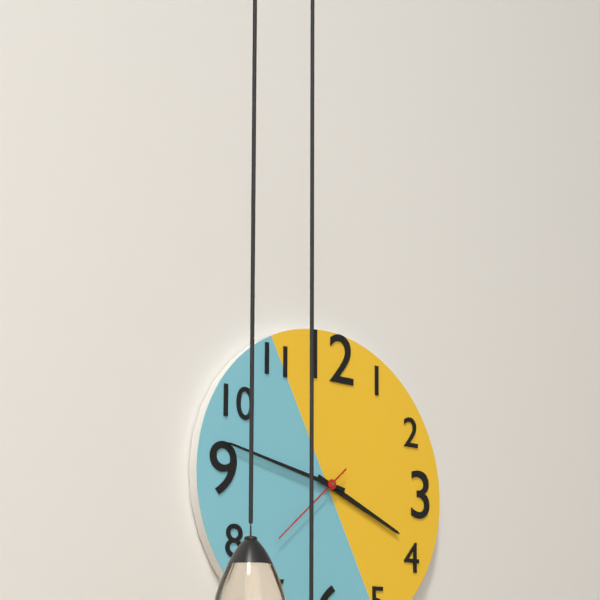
3:47:38
